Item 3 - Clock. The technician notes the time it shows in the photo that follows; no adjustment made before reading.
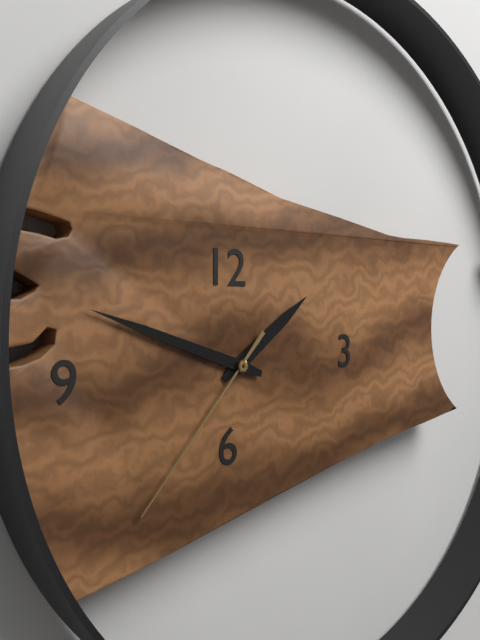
1:48:37
